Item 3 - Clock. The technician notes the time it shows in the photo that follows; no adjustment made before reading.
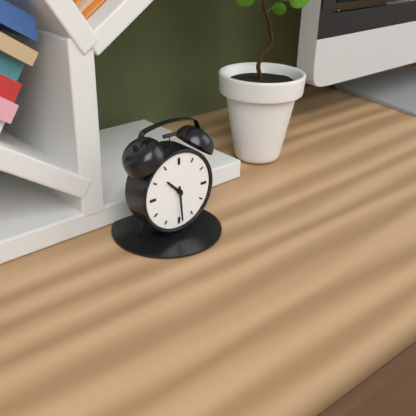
10:29
